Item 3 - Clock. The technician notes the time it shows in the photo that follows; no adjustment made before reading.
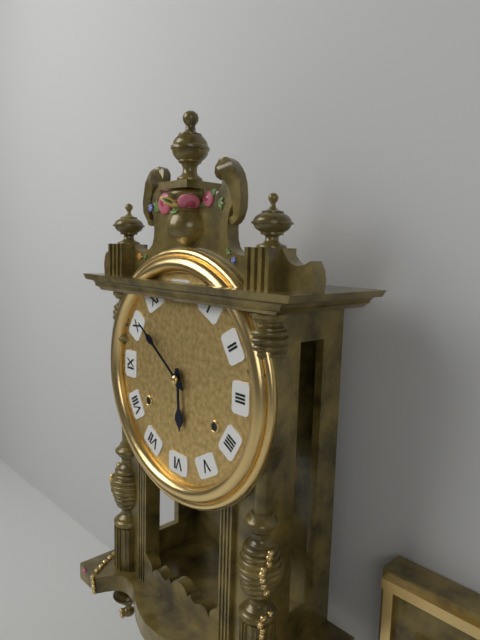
5:51
